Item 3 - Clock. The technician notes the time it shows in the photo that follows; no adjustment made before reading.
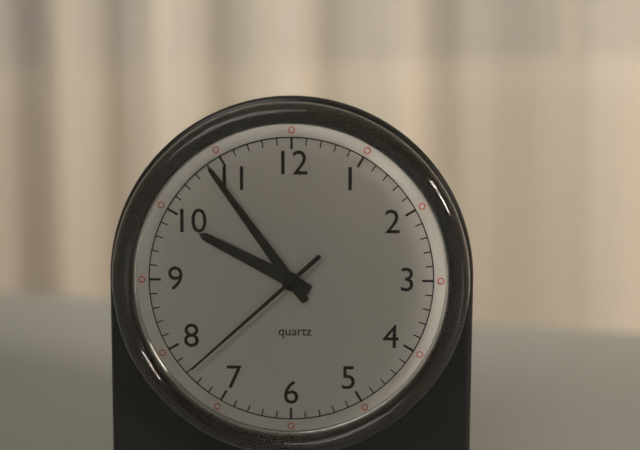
9:54:38
